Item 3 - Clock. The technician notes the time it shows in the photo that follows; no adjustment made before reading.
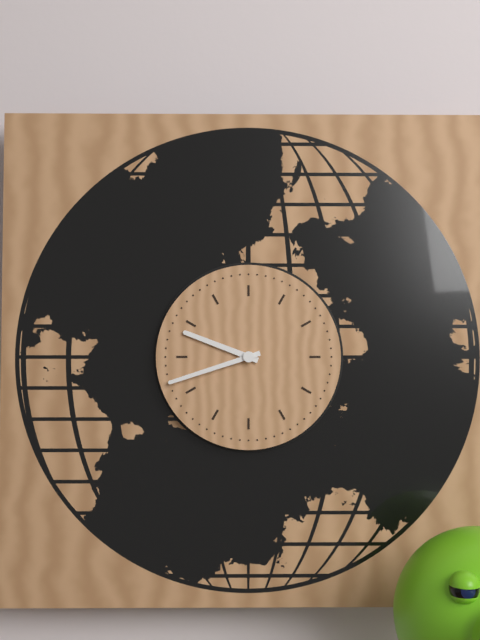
9:42
